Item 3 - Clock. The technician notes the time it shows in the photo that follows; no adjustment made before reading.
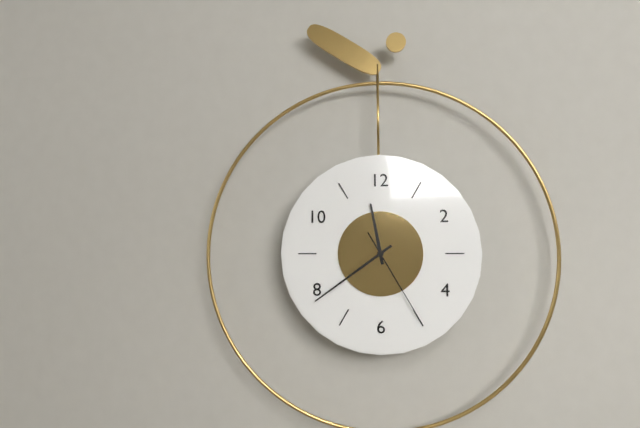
11:39:25
